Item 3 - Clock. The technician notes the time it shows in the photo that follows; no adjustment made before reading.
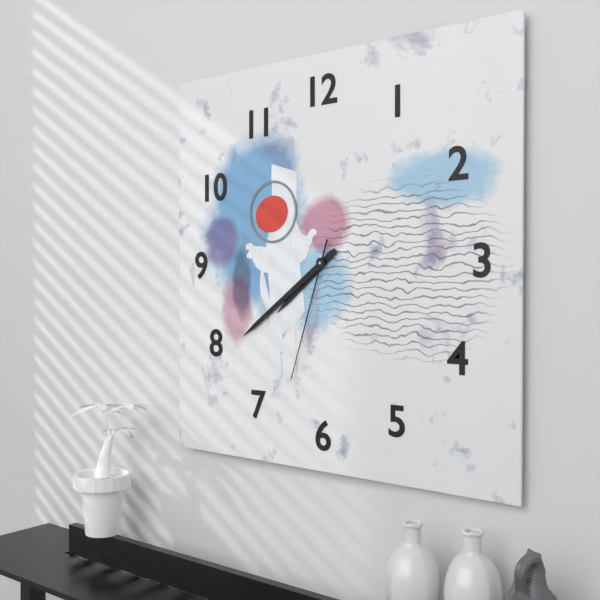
7:39:33
